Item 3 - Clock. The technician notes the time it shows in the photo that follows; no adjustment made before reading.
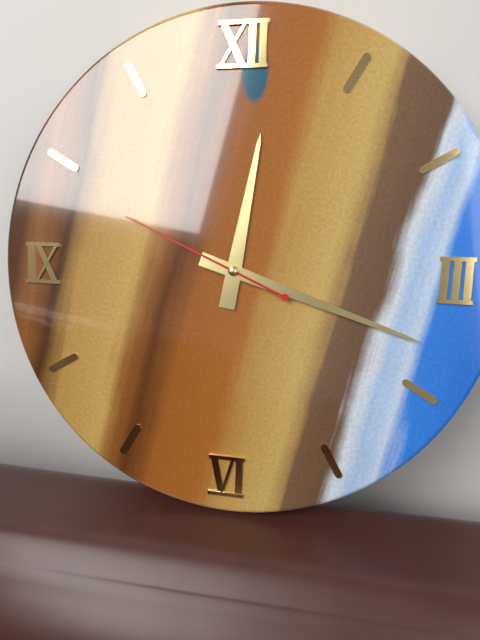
12:18:49
